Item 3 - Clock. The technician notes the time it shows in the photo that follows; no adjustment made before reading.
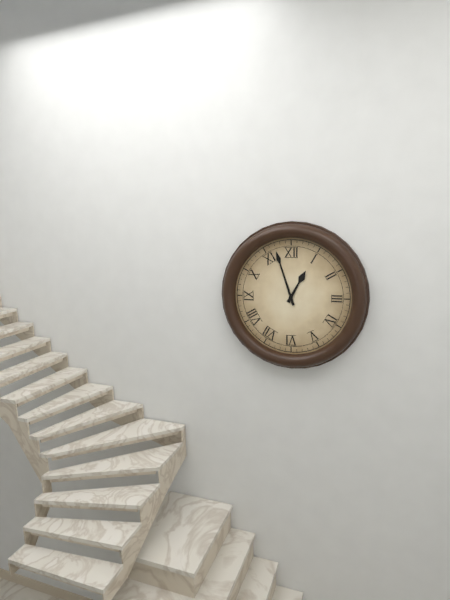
12:57
